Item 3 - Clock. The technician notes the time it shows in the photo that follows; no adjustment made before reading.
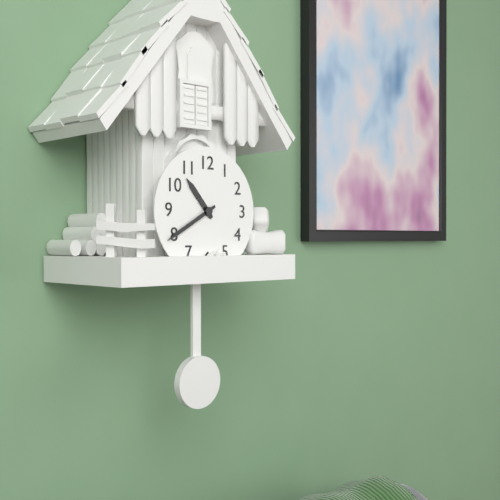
10:40
